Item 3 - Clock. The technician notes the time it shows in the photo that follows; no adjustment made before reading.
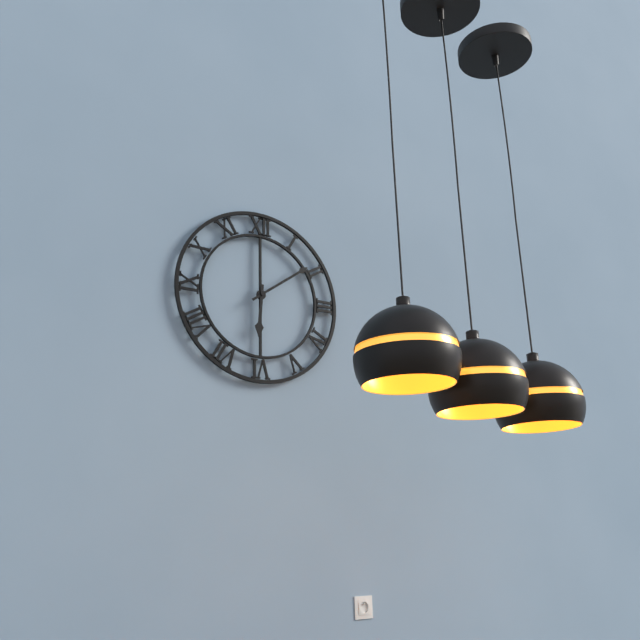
6:09
